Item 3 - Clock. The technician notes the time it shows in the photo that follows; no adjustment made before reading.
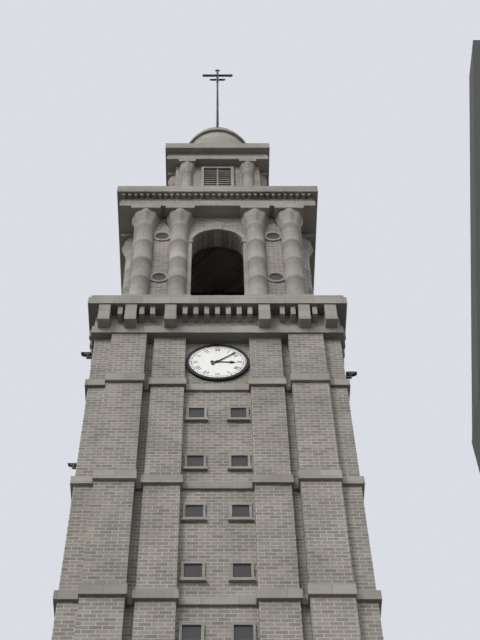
3:08
